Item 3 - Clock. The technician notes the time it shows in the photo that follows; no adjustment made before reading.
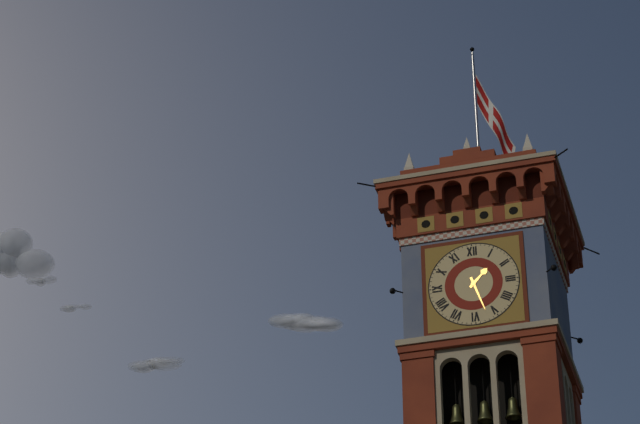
1:27
